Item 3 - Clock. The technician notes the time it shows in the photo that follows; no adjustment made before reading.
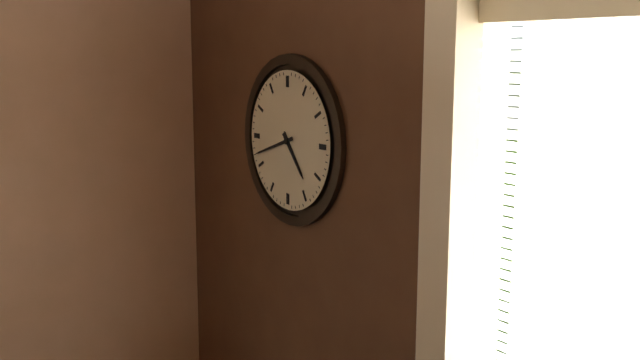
4:42
